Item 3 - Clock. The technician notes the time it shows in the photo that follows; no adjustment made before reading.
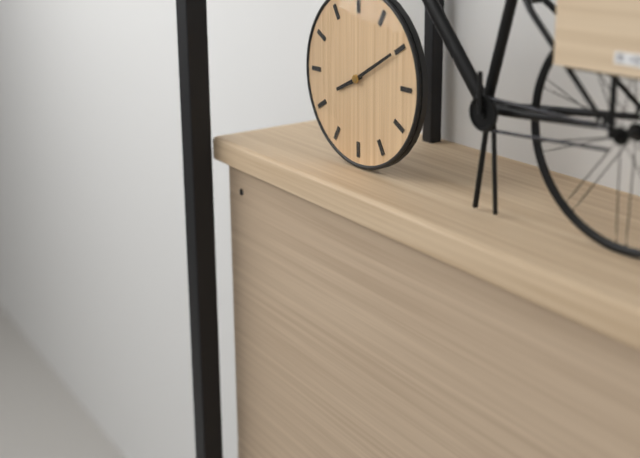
8:10
